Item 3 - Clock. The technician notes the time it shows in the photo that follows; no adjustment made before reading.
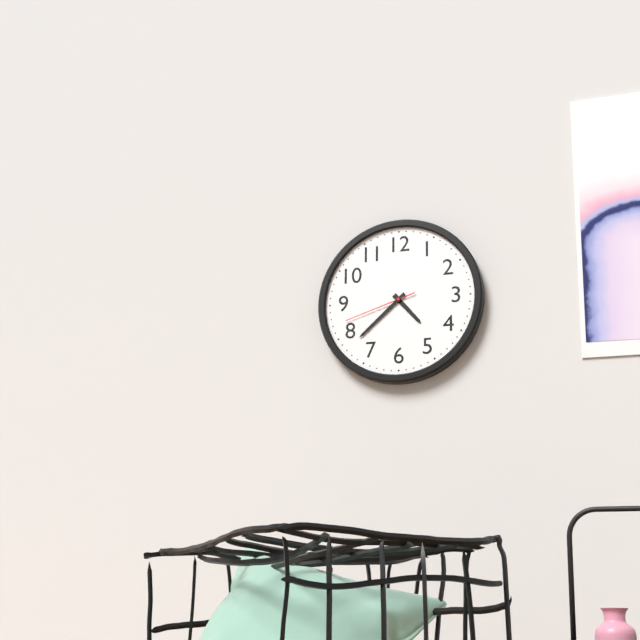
4:38:42
